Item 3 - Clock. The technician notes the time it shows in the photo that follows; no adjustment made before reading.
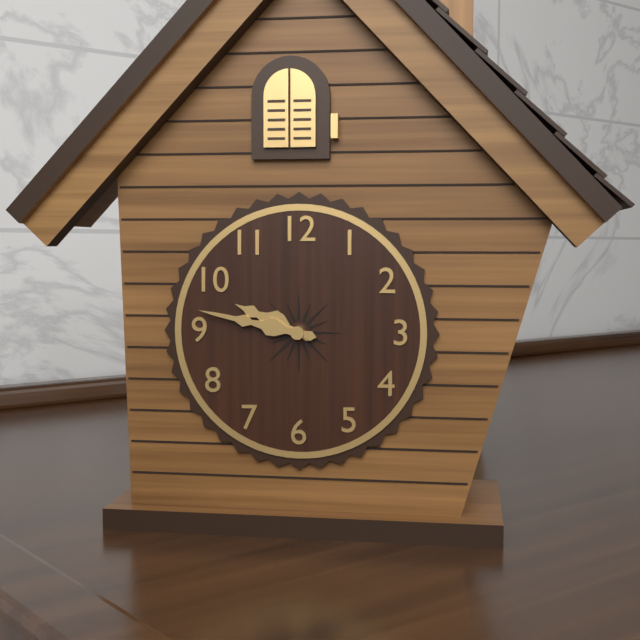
9:47
